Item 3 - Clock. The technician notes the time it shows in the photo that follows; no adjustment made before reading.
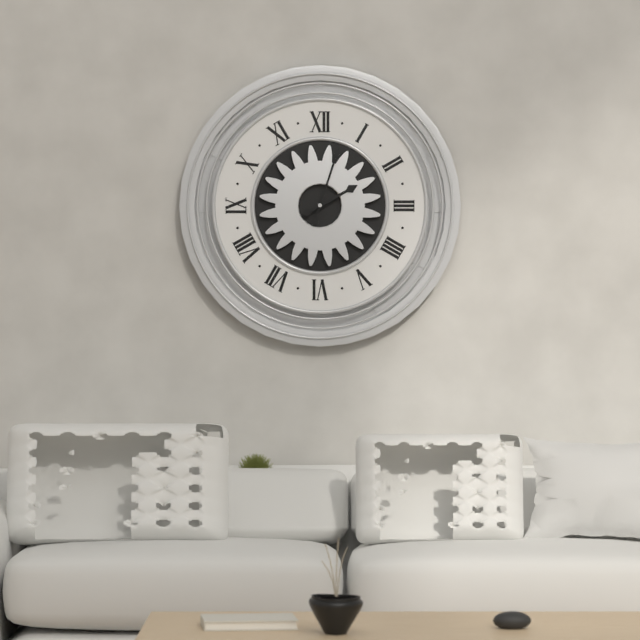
2:03
